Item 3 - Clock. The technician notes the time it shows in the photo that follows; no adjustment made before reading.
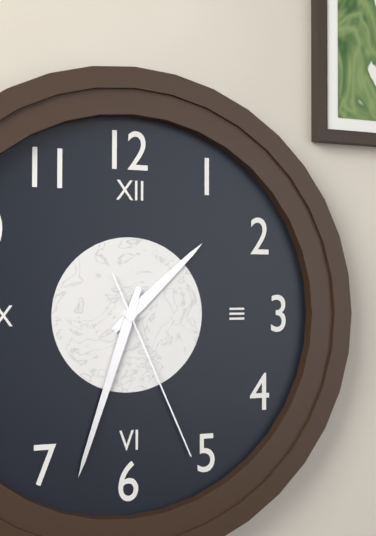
1:33:26
